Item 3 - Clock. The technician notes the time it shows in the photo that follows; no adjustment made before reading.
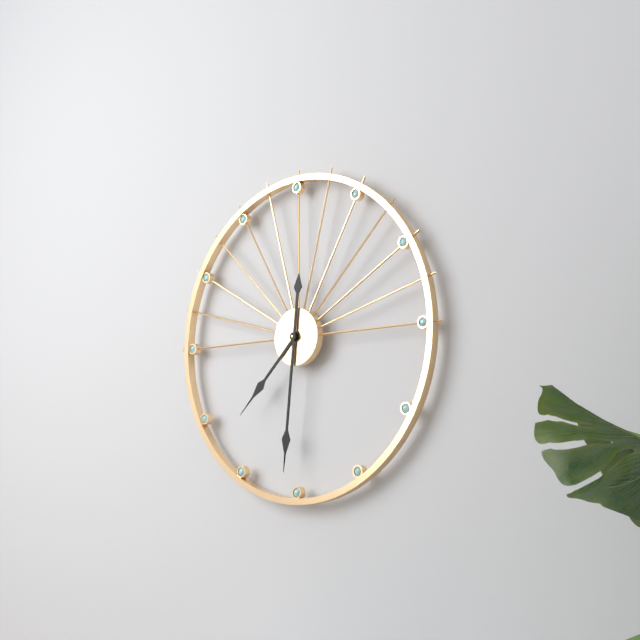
7:31
